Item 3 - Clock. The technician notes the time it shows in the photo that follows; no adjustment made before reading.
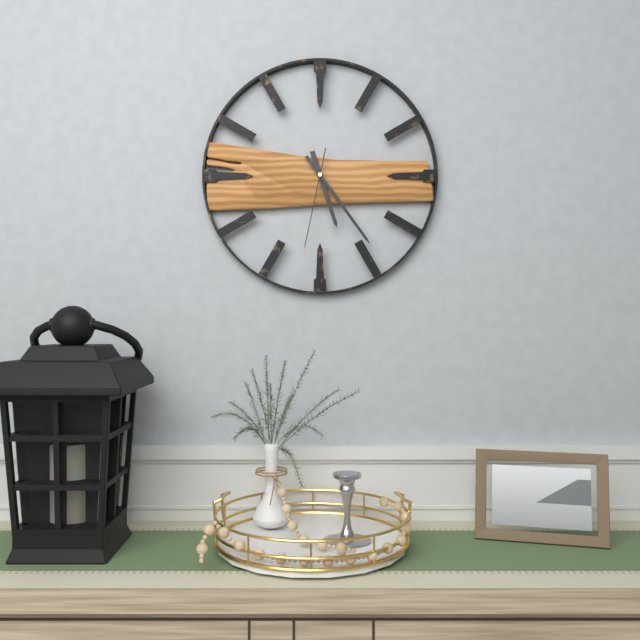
5:24:32
